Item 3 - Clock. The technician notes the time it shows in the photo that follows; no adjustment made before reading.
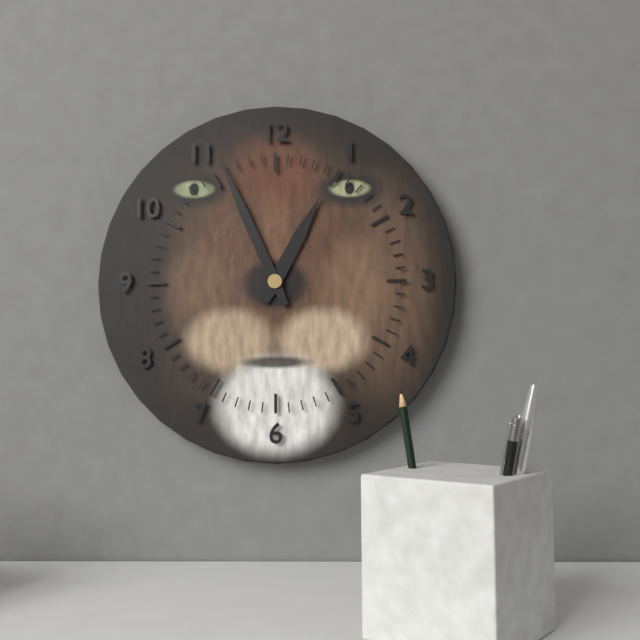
12:56
